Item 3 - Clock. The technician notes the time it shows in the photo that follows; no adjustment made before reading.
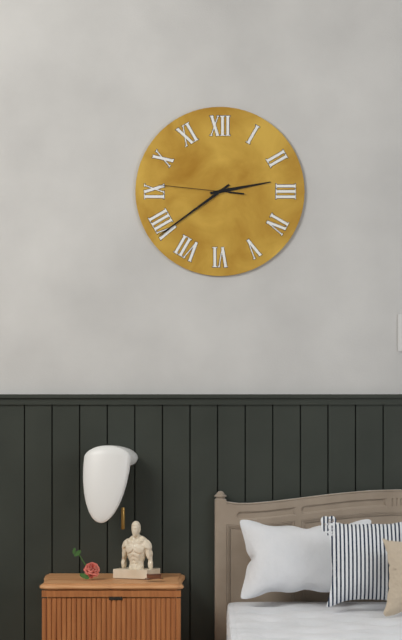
2:39:46
